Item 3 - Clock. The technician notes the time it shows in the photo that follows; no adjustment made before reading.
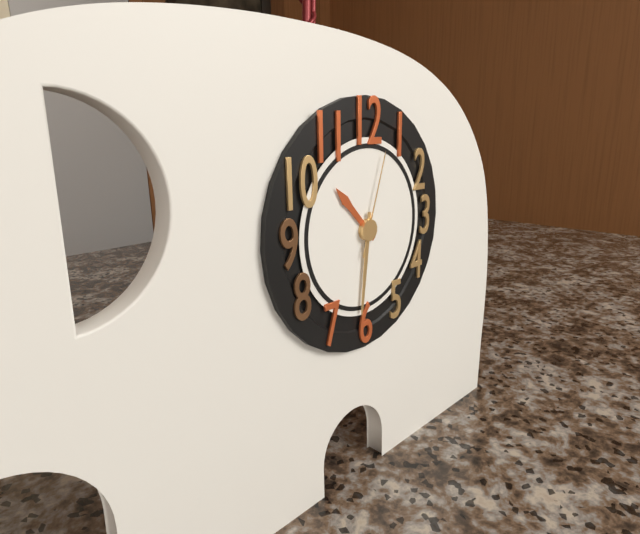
10:31:03
